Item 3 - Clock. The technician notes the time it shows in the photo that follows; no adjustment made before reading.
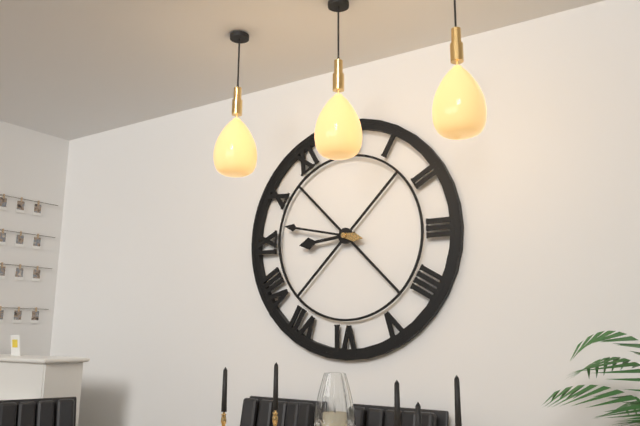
8:47
